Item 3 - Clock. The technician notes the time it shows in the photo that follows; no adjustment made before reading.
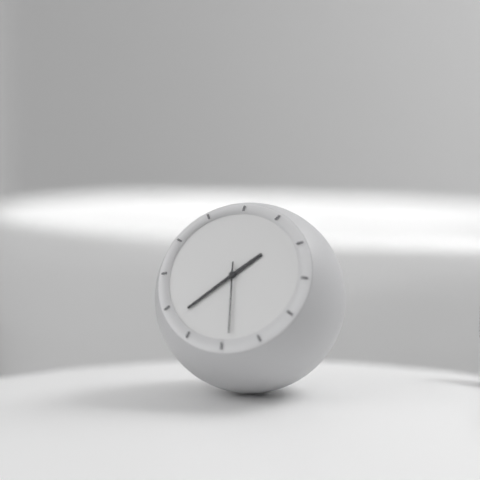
1:38:29
